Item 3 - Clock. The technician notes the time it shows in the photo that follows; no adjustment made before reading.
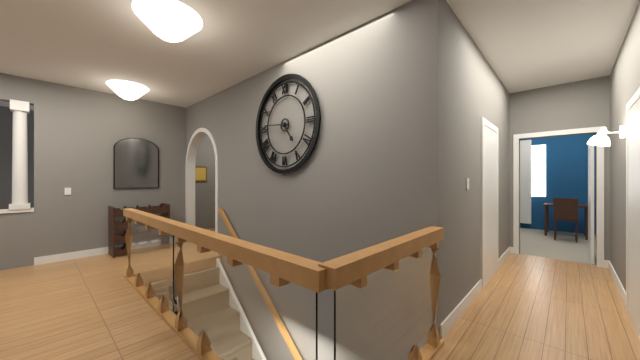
4:46
